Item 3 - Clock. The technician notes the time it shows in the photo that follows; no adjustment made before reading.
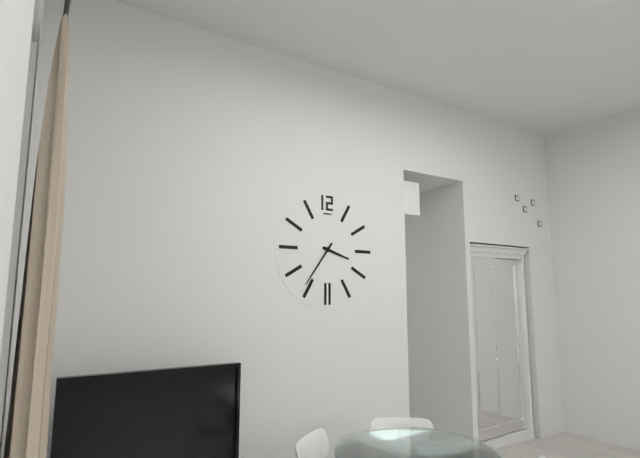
3:36
